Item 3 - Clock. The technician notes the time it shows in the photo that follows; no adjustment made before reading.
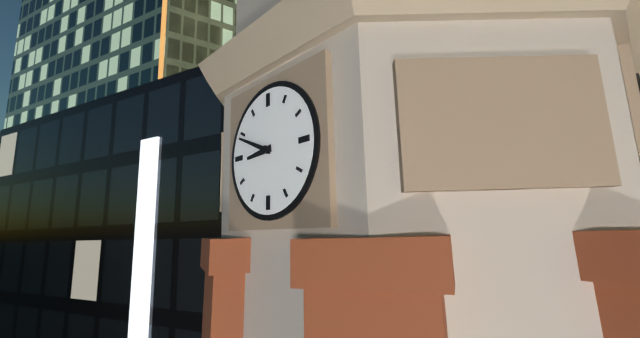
8:49
